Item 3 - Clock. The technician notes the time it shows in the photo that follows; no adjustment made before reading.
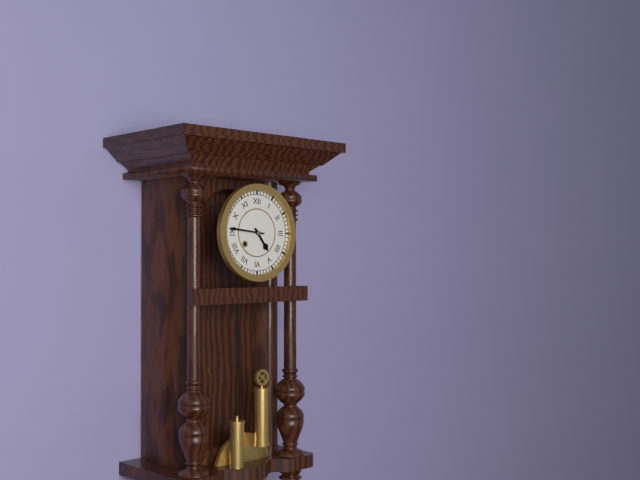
4:46
